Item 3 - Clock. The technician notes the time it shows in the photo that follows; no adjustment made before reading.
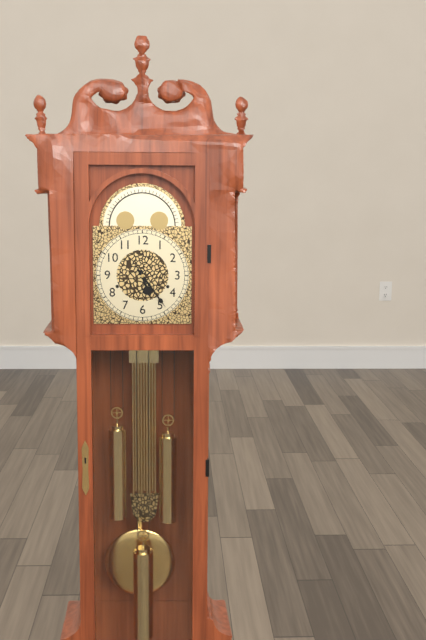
5:24
